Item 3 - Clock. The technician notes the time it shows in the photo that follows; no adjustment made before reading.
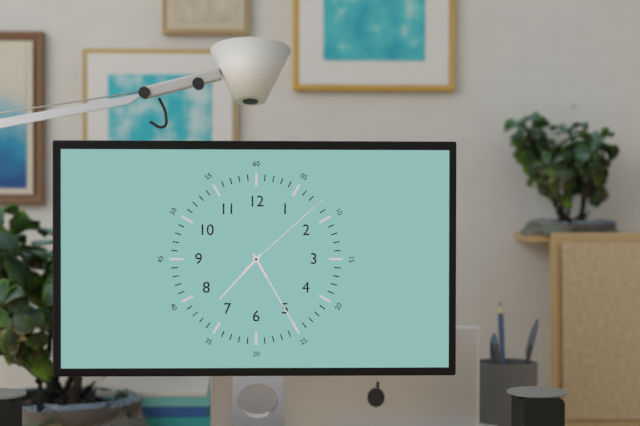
7:25:08
